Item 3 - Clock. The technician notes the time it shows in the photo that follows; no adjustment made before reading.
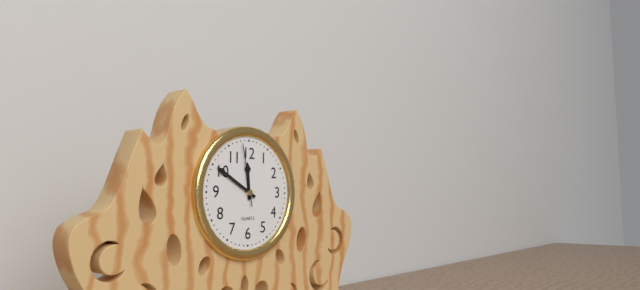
11:50:58
